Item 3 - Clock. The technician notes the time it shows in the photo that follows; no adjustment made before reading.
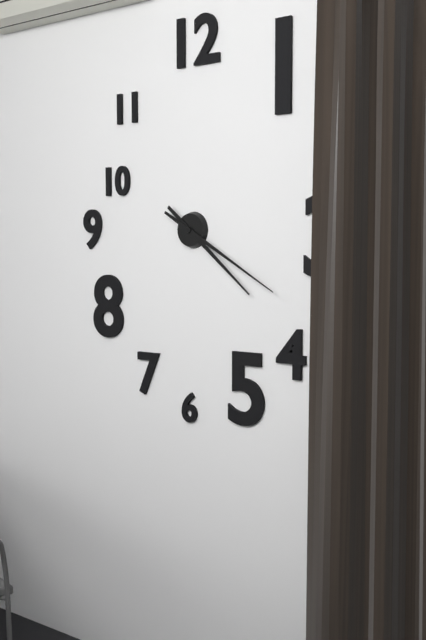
4:20
